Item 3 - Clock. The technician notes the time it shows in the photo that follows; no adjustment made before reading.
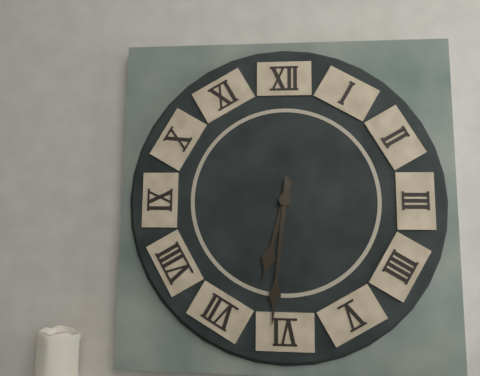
6:31
